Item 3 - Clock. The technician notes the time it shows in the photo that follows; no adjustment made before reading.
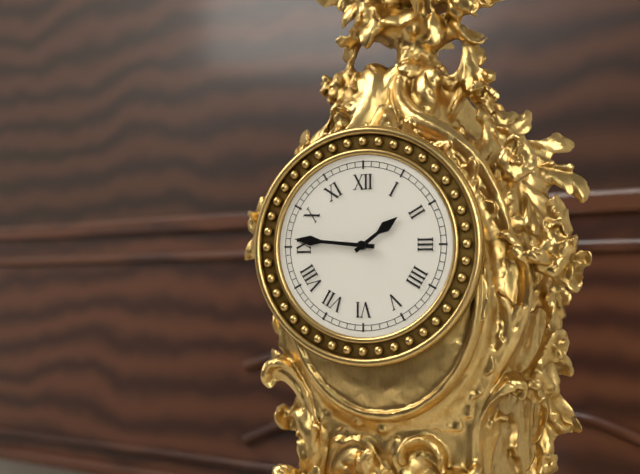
1:46
